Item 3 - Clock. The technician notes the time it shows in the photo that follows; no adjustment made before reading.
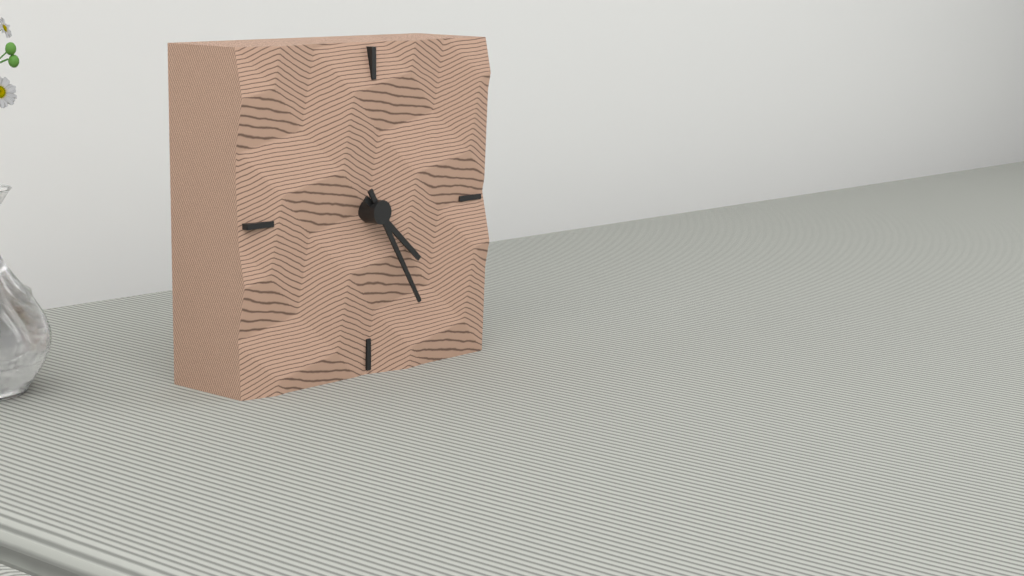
4:25
